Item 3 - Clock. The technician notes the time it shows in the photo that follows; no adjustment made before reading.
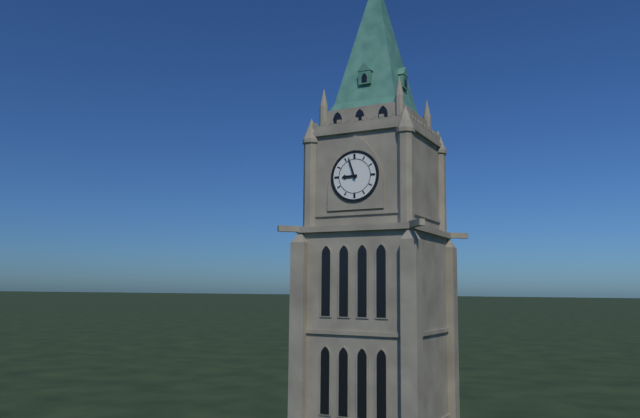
8:57
